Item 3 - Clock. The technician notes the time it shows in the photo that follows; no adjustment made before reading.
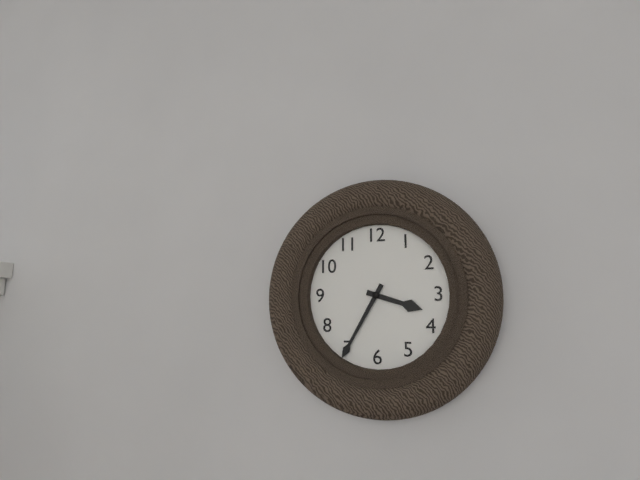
3:35
